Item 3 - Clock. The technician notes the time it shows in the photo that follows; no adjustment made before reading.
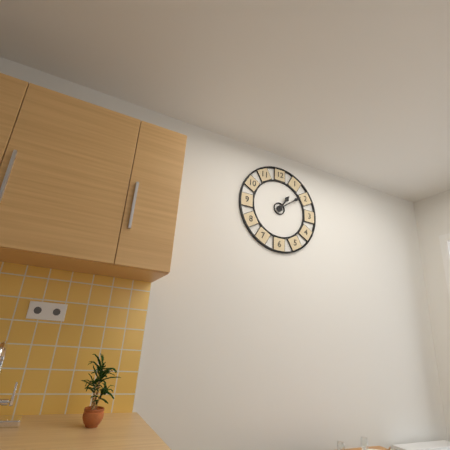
1:09
